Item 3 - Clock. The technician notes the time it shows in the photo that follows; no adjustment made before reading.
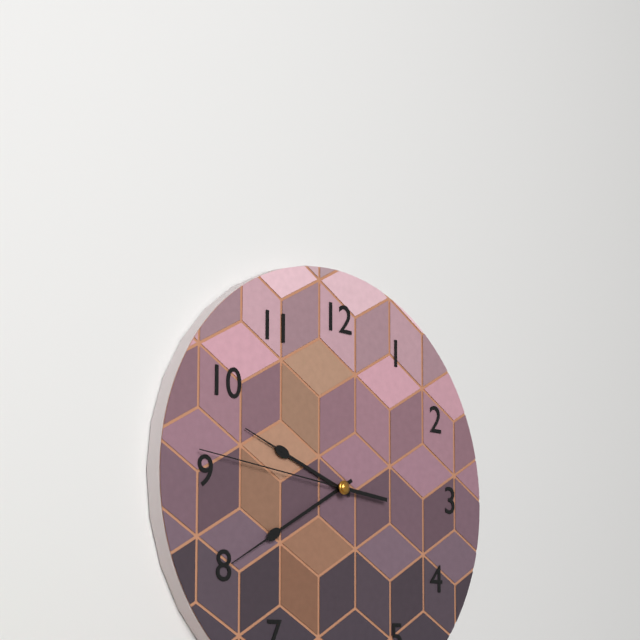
9:40:46
